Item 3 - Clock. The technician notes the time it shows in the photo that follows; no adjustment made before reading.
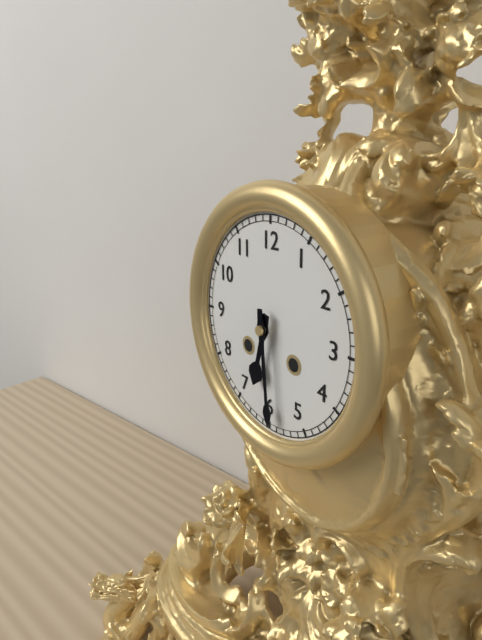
6:29
